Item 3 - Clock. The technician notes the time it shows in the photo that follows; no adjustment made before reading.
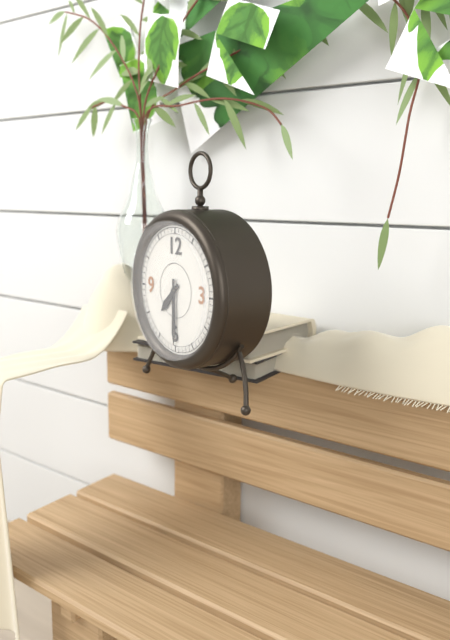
7:30
